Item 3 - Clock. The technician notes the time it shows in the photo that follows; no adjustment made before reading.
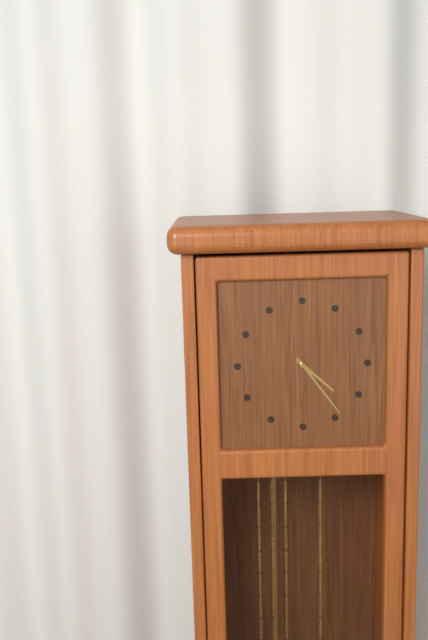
4:24
